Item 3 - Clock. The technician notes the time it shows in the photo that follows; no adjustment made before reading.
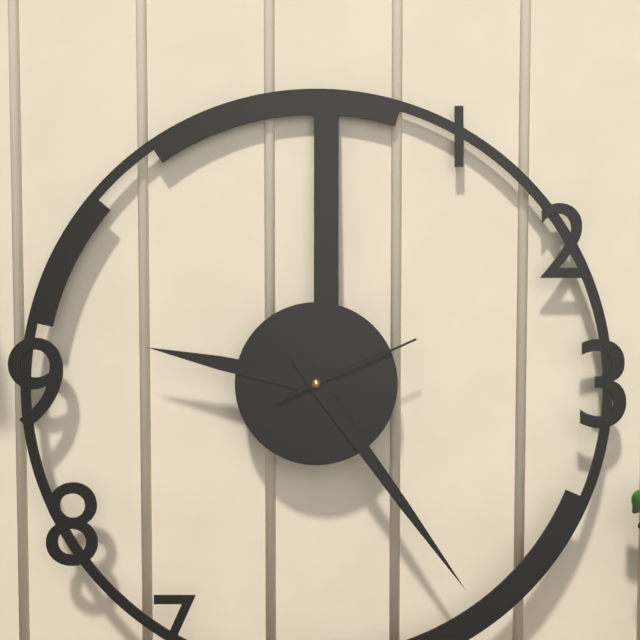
9:24:11
